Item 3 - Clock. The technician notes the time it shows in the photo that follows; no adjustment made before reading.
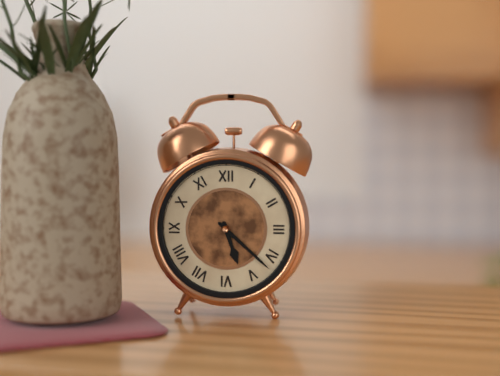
5:22
